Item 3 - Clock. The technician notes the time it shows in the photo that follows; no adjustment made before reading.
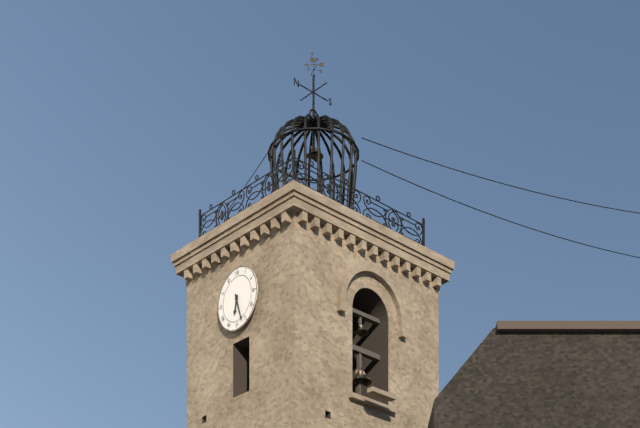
6:27
